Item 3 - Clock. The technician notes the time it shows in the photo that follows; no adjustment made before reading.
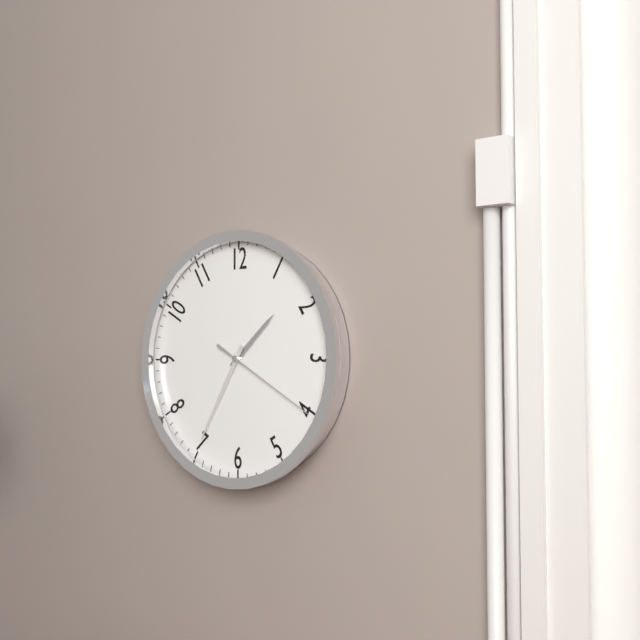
1:35:20
